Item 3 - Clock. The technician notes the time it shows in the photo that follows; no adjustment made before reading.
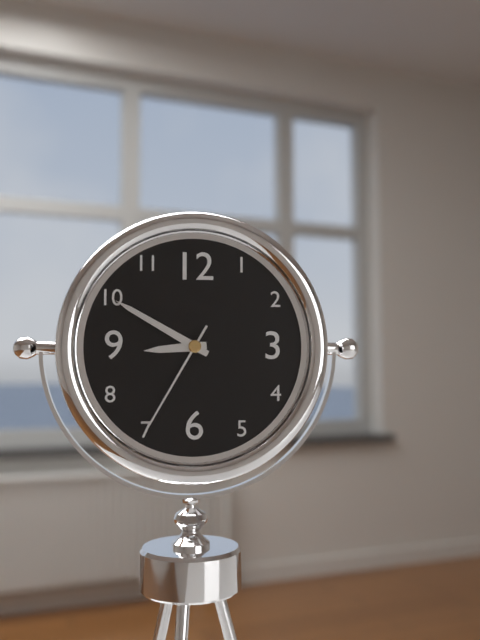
8:50:35
